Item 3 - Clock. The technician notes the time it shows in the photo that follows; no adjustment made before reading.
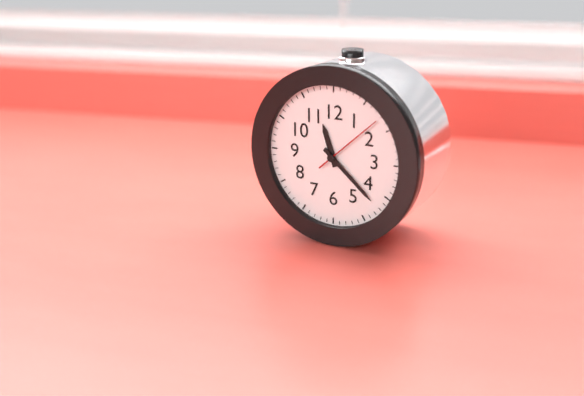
11:22:08
